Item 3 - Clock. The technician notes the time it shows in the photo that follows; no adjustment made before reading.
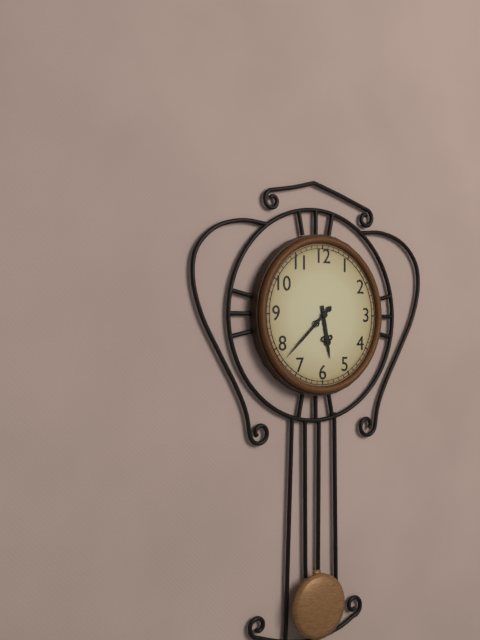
5:38
